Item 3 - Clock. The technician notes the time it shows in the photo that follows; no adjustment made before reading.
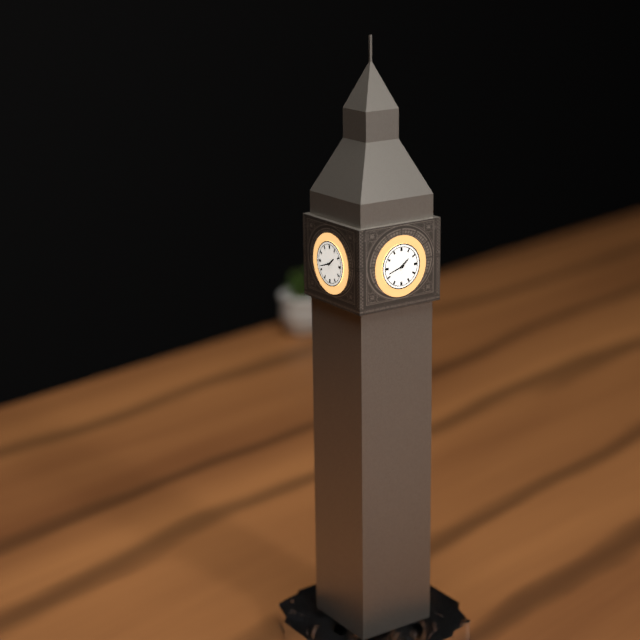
1:42
